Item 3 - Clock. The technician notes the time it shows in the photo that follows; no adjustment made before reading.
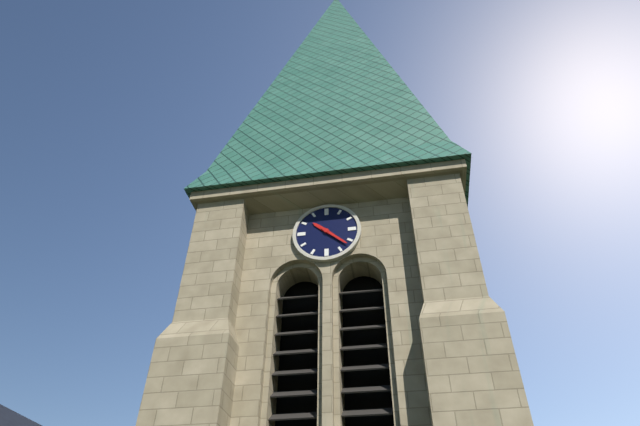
10:22
